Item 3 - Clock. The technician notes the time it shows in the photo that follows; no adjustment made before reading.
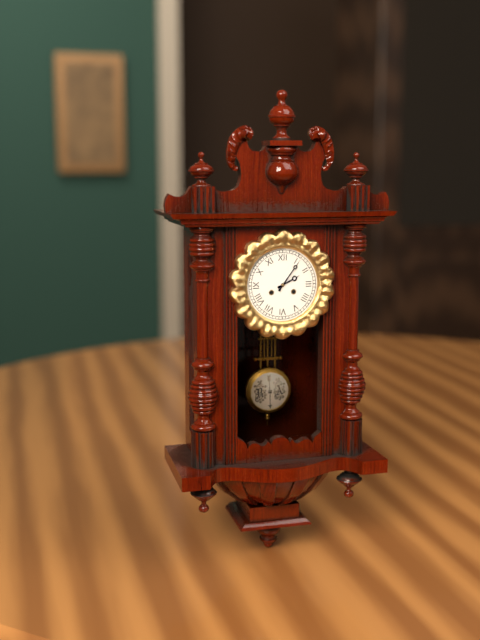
2:06
